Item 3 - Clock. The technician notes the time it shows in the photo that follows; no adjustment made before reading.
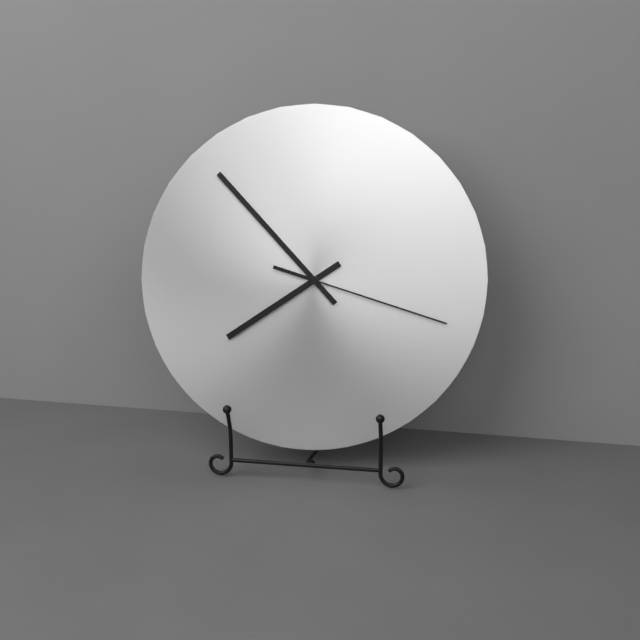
7:53:18
